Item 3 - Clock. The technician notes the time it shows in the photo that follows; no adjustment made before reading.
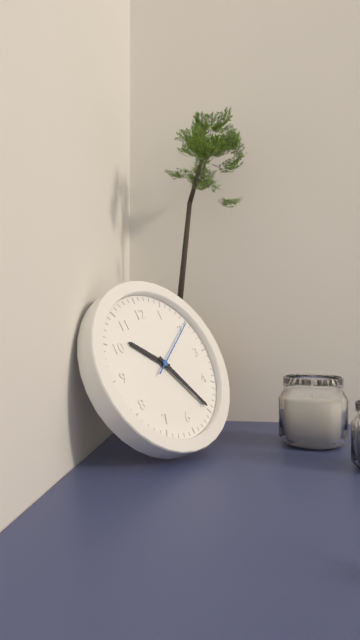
10:25:10
